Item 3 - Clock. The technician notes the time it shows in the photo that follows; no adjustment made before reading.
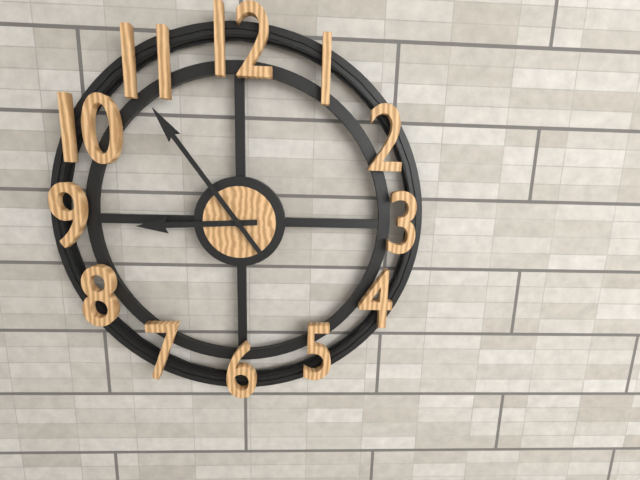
8:54
